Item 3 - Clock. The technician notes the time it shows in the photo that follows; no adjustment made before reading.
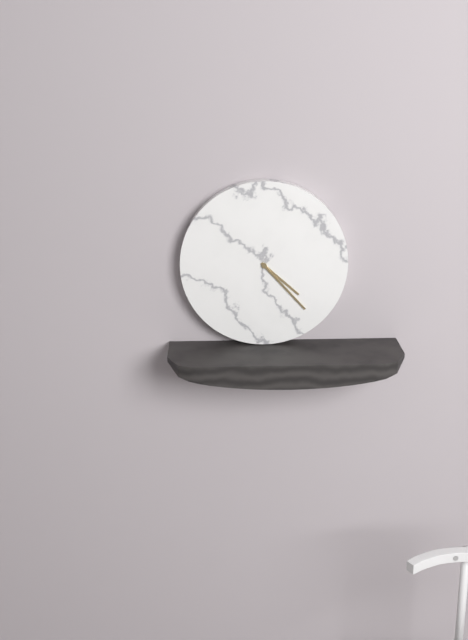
4:23
